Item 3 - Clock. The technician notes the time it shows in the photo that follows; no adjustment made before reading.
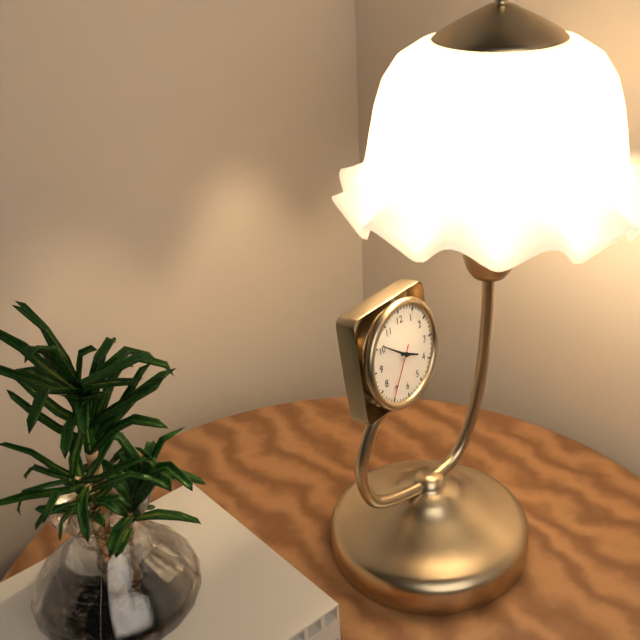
3:51:36
